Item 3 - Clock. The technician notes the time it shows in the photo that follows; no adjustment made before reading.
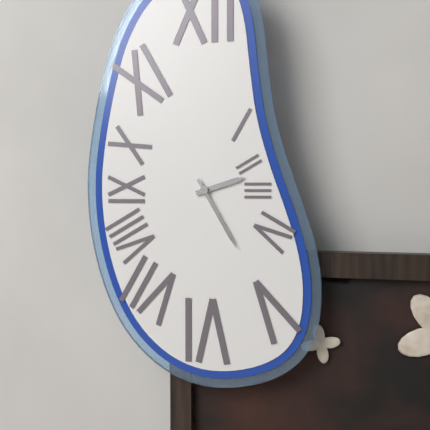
2:25
